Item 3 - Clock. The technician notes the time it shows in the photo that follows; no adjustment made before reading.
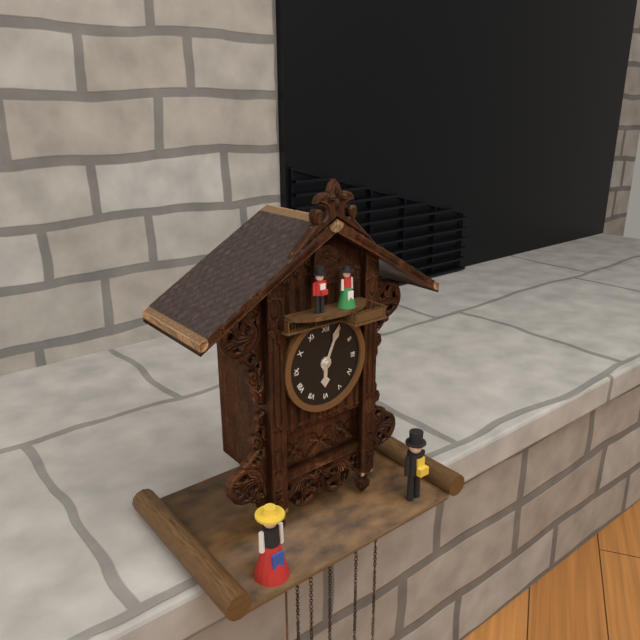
6:04
